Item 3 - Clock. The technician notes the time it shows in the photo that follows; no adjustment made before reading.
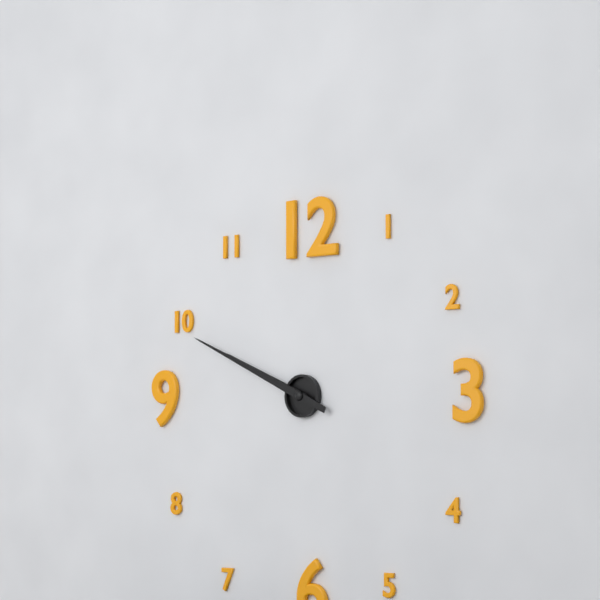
9:49
